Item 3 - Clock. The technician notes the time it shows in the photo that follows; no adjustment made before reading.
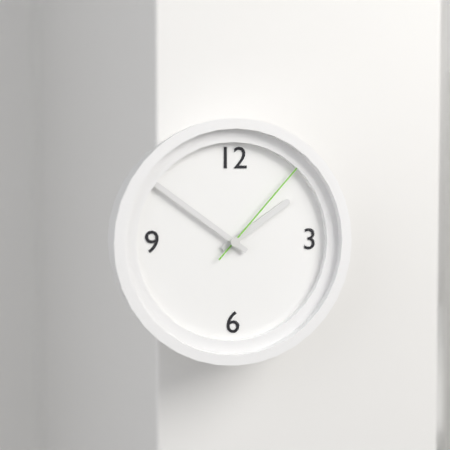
1:51:07
